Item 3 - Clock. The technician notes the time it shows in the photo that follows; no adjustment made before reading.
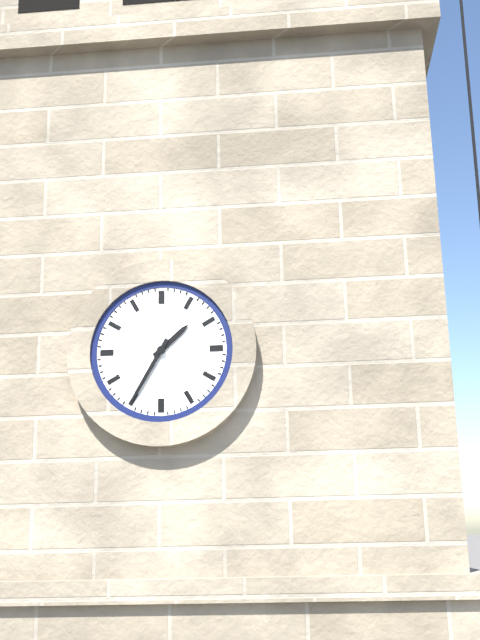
1:35
